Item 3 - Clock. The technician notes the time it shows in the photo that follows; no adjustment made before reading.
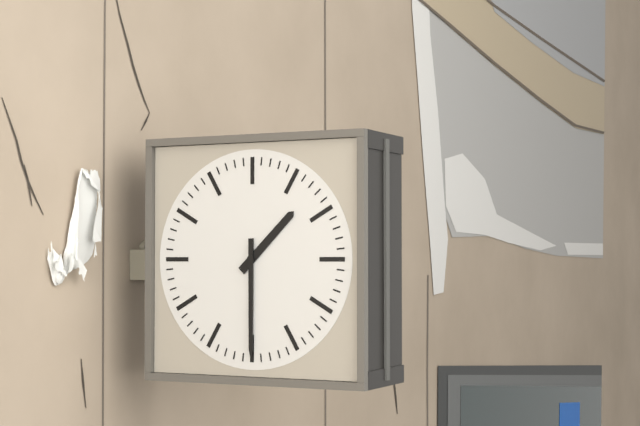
1:30
